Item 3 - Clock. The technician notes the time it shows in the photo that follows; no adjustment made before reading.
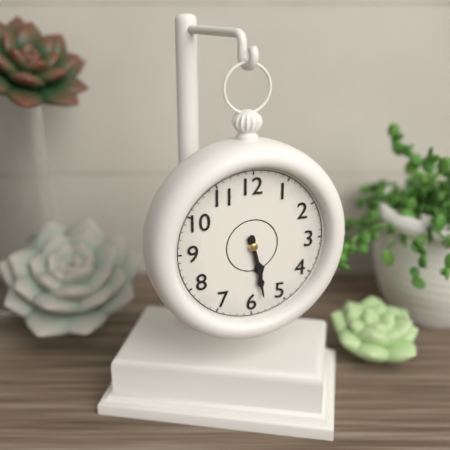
5:28
